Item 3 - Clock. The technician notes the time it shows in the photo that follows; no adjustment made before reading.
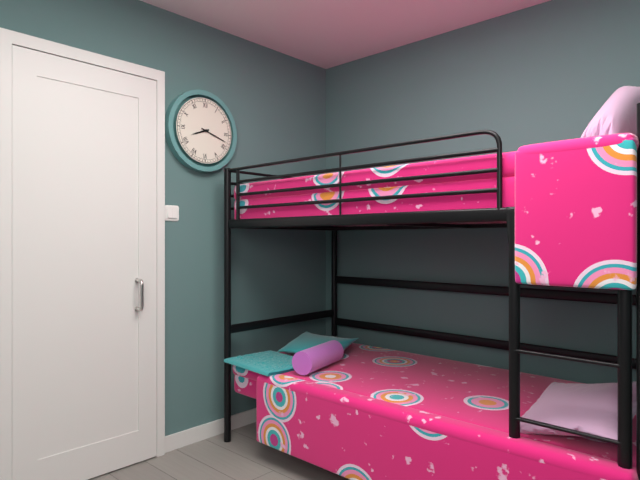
8:18
